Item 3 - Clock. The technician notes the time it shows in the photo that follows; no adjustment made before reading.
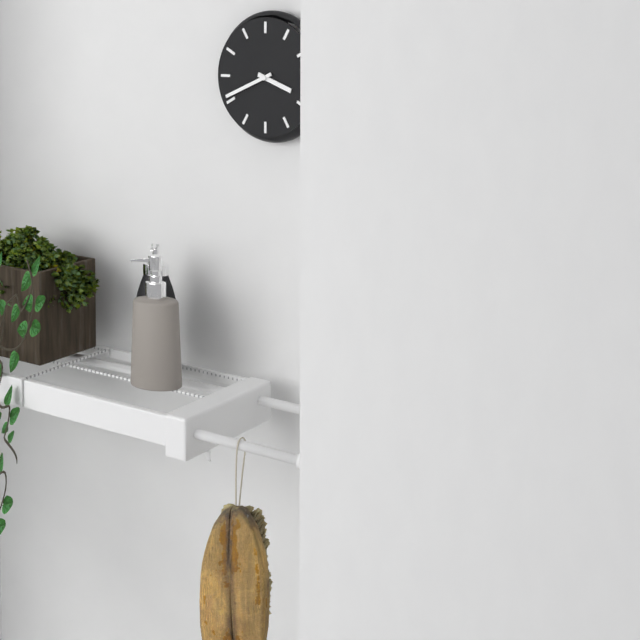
3:41
